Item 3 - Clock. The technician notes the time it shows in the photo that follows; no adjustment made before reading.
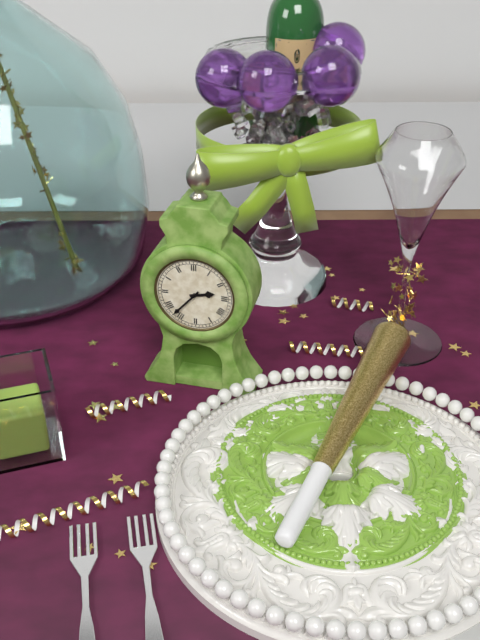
2:37
